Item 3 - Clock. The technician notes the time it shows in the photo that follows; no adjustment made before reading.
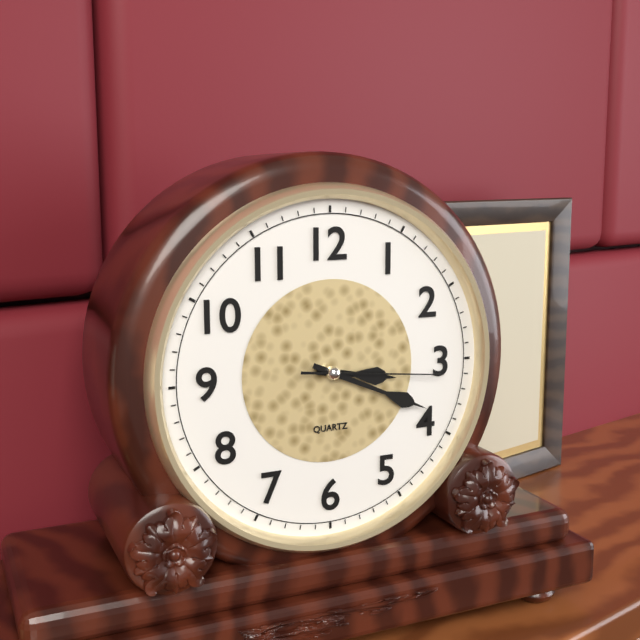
3:19:16
